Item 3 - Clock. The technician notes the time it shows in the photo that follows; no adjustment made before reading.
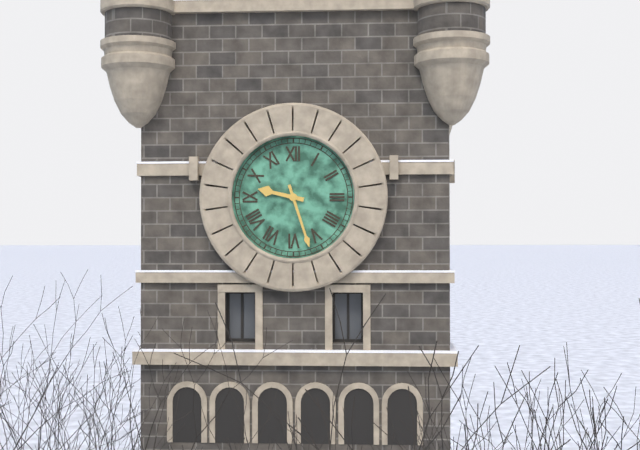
9:27
